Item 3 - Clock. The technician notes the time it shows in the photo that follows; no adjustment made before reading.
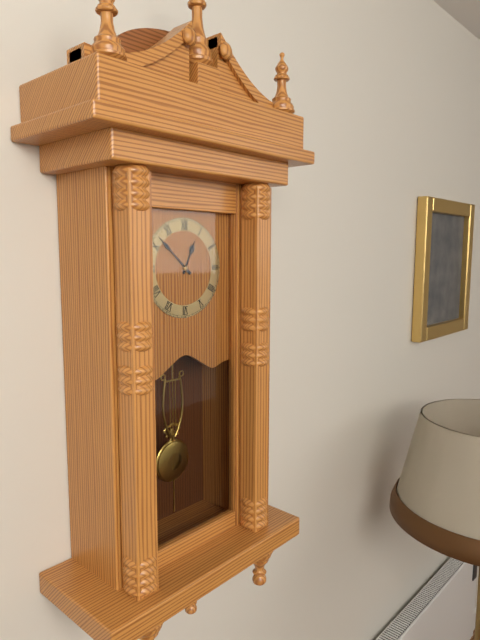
12:52
